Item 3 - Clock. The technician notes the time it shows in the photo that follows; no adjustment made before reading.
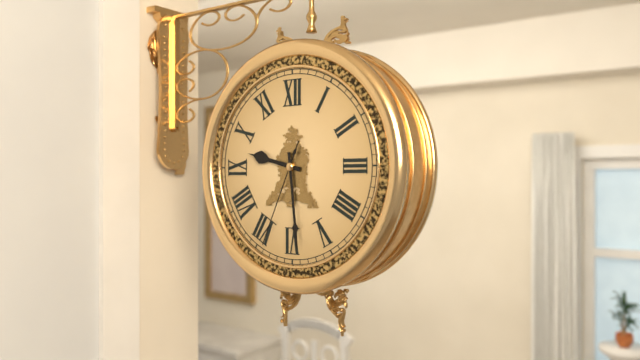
9:29:34
